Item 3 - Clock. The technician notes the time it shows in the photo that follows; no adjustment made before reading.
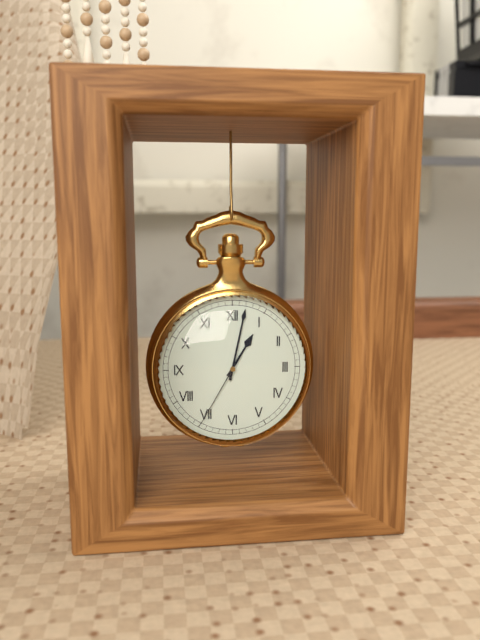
1:02:35
